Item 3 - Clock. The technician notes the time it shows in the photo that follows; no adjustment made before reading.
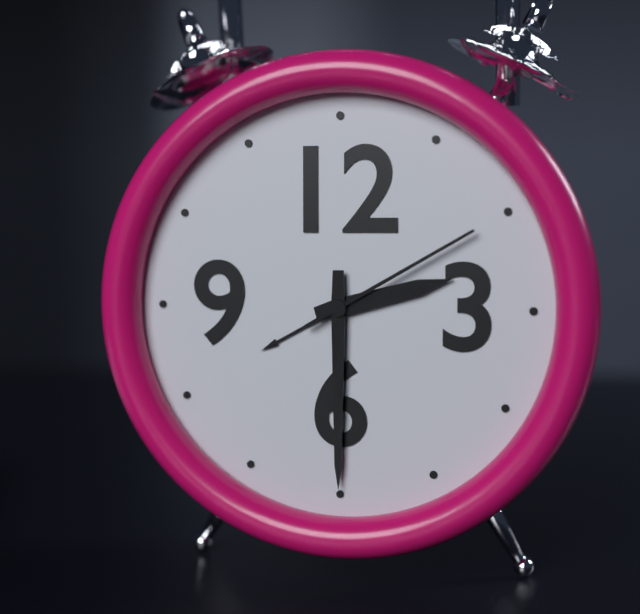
2:30:10
